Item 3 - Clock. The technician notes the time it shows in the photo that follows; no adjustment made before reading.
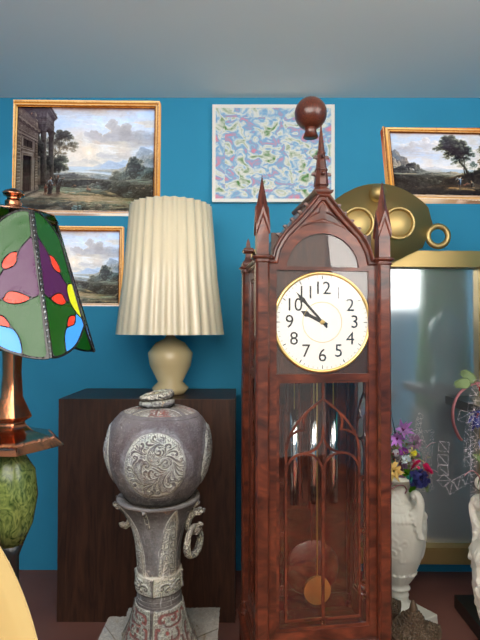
9:53
